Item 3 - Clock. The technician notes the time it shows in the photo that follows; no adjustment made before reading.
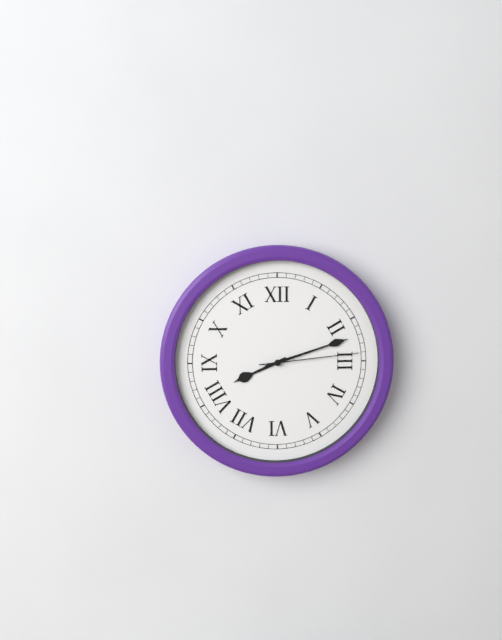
8:12:14
